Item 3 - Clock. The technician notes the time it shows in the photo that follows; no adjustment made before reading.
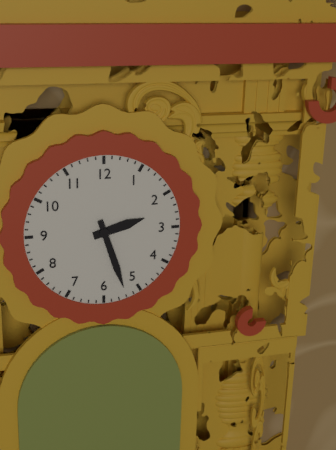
2:27
